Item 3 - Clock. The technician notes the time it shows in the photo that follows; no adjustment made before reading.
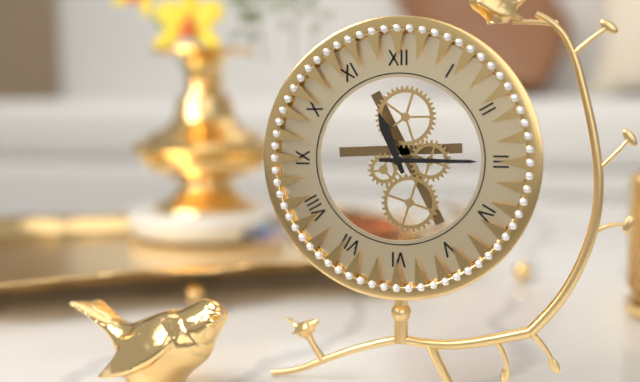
11:15
